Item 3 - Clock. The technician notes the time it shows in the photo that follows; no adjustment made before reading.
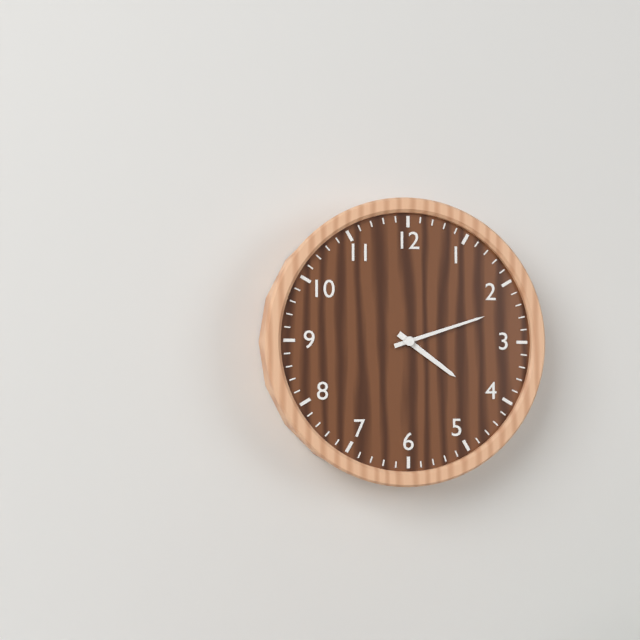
4:12
